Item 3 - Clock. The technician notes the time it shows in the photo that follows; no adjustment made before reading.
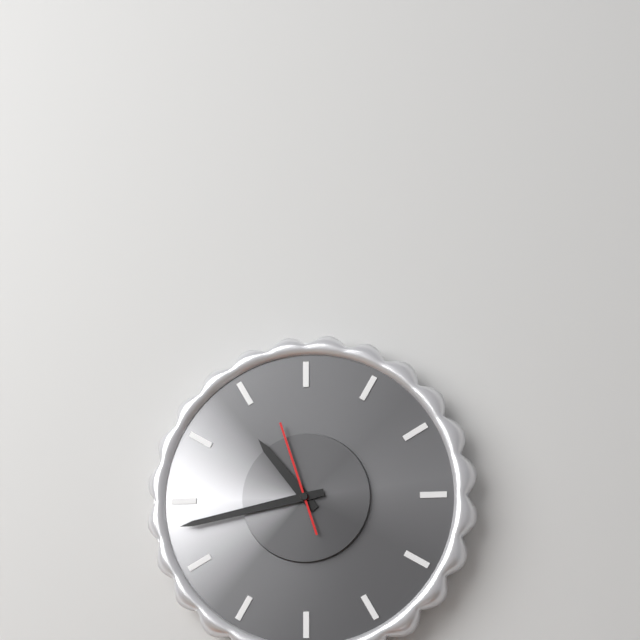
10:43:57
